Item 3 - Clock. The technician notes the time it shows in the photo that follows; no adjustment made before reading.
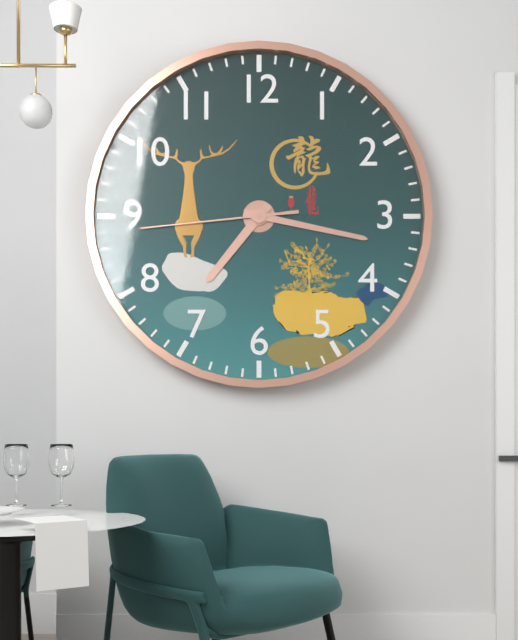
7:17:44
